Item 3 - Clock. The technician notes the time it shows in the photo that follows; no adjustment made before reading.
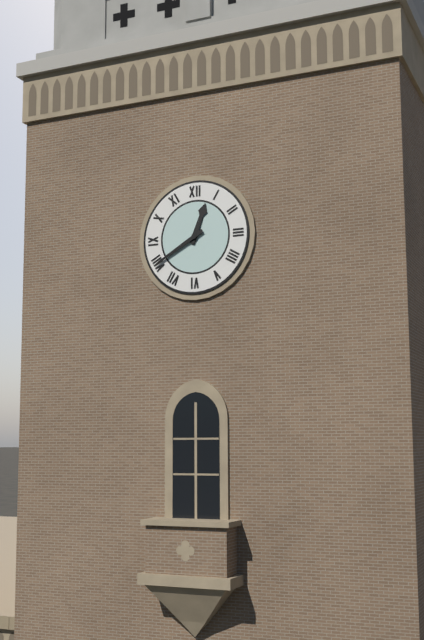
12:40
